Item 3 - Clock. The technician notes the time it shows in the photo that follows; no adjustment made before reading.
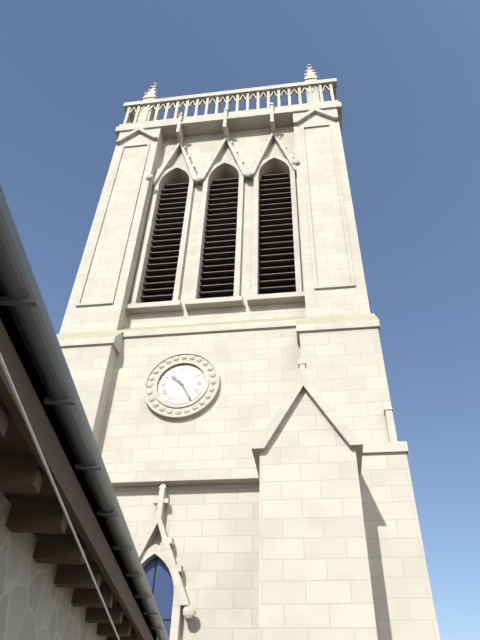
10:25
